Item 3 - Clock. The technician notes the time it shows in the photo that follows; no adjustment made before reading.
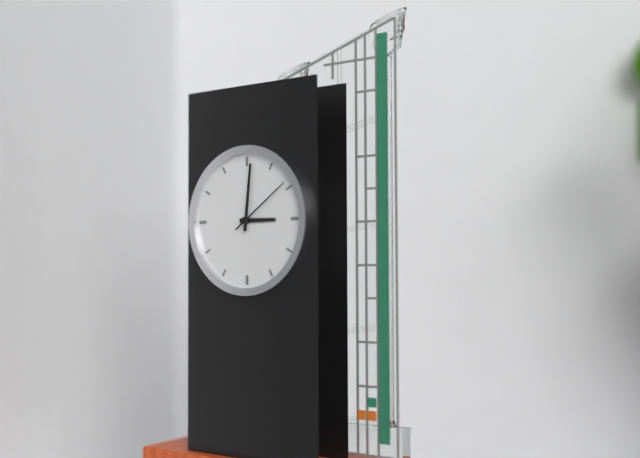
3:01:09
